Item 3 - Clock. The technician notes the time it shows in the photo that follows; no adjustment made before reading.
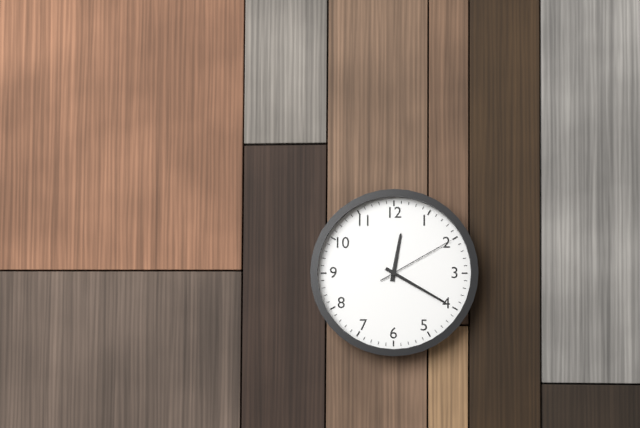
12:20:10
